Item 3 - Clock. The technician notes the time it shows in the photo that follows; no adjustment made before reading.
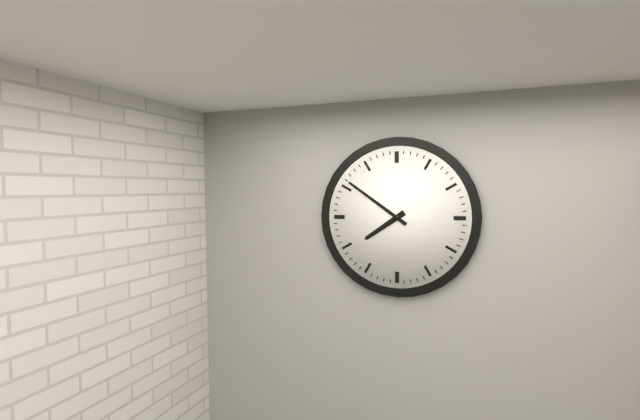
7:51
